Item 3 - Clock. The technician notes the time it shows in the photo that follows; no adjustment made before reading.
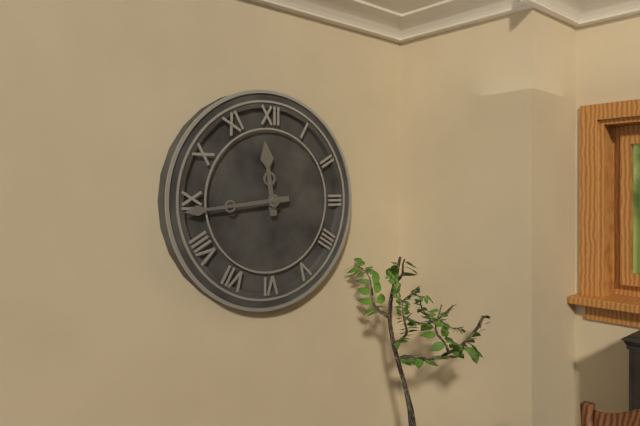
11:44
